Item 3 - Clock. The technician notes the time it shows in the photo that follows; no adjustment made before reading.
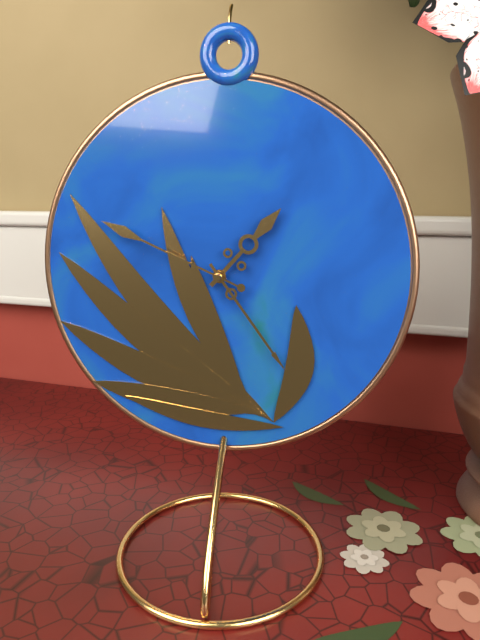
1:24:49
